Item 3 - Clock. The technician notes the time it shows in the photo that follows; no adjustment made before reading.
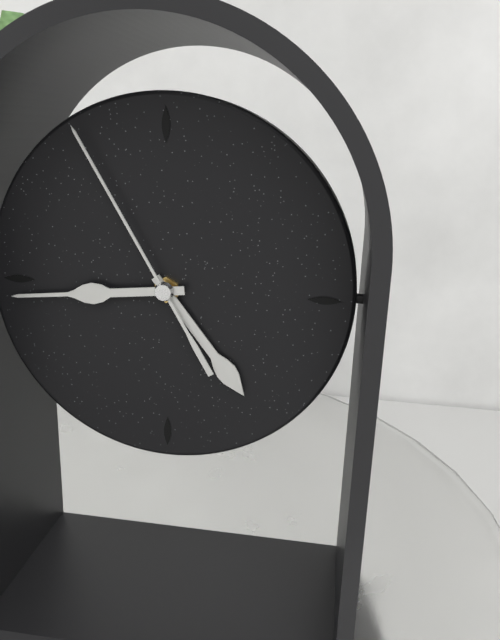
4:44:55
